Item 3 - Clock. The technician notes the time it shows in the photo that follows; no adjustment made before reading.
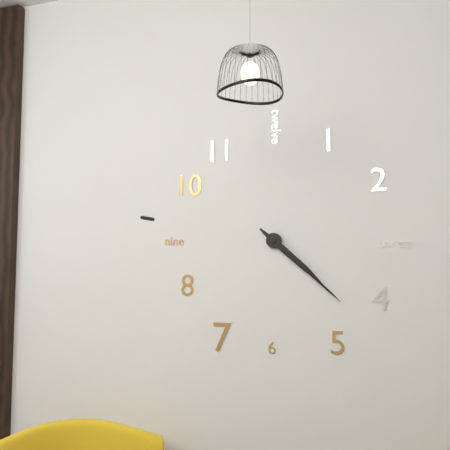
4:22
